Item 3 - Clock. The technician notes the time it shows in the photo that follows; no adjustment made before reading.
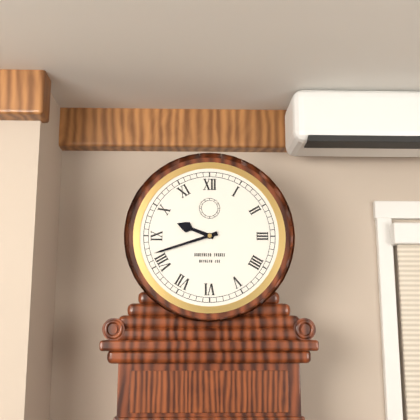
9:42
